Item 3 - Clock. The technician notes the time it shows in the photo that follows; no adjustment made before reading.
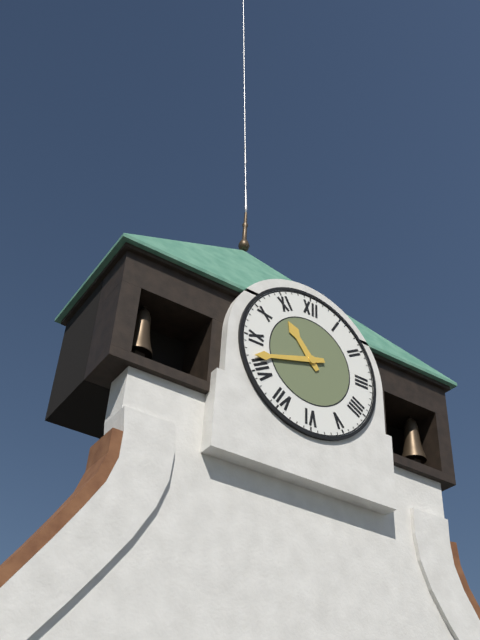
10:42
